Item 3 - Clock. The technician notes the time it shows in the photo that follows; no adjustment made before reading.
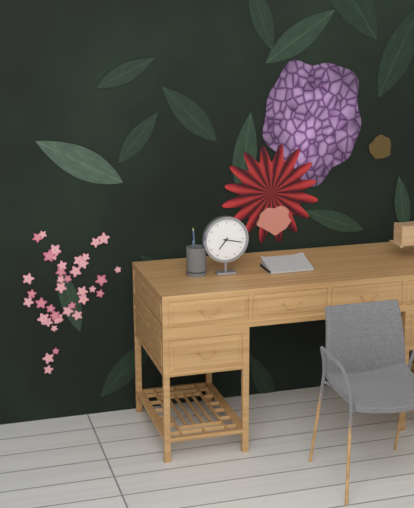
7:17
